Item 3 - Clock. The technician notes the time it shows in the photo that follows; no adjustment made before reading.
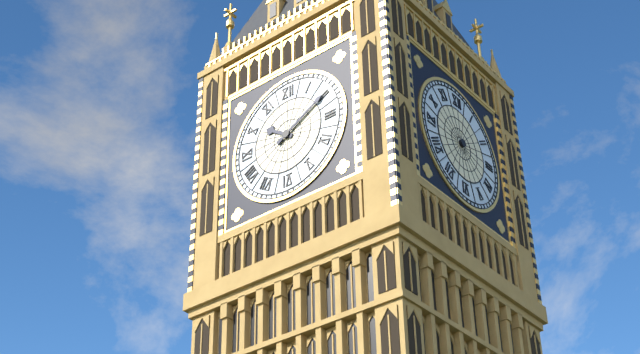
10:10
